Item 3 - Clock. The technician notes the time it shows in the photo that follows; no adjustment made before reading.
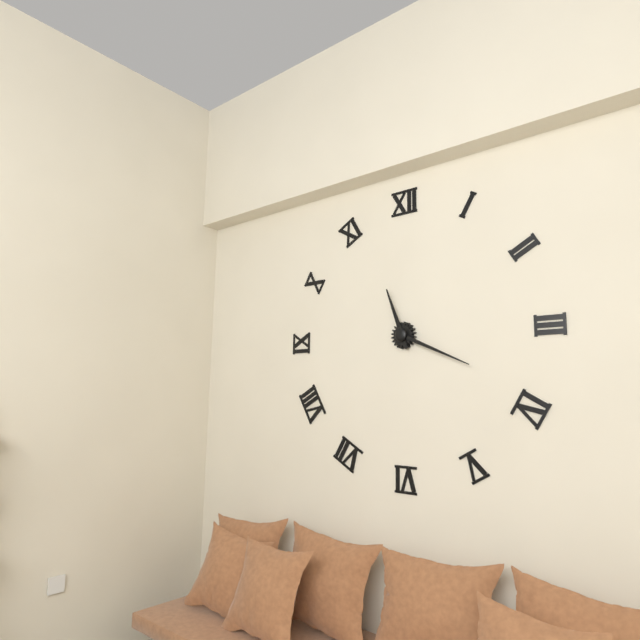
11:19
